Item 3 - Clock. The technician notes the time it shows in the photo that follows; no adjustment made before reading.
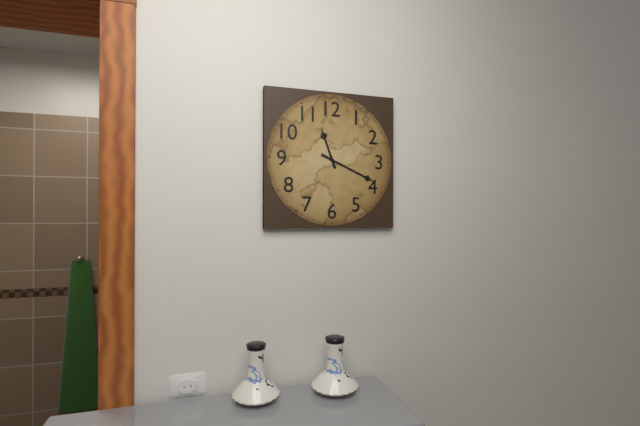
11:19
